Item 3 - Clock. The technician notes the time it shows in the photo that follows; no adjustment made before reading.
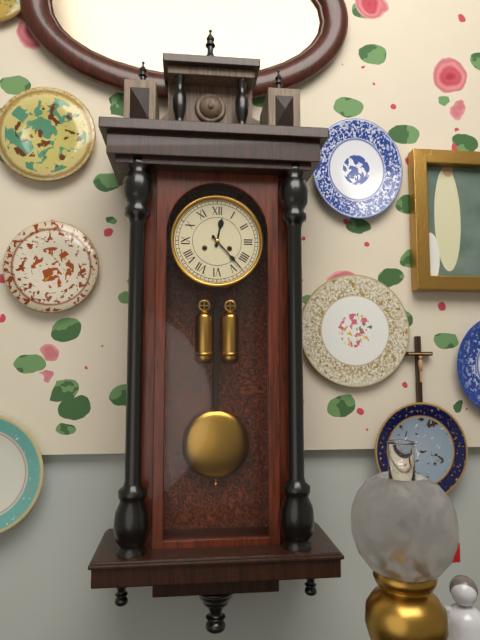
12:23
